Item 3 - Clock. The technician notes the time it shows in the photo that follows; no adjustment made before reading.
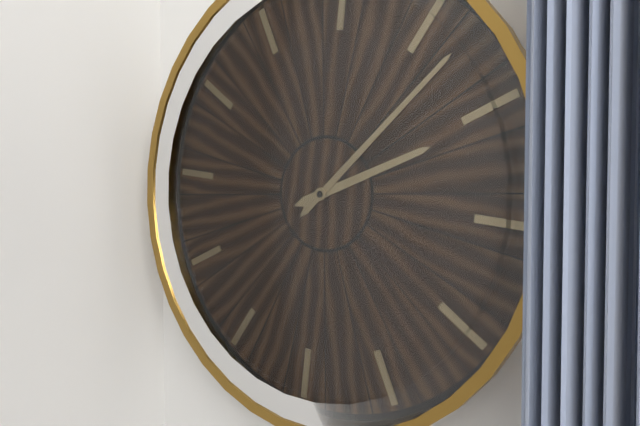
2:07
